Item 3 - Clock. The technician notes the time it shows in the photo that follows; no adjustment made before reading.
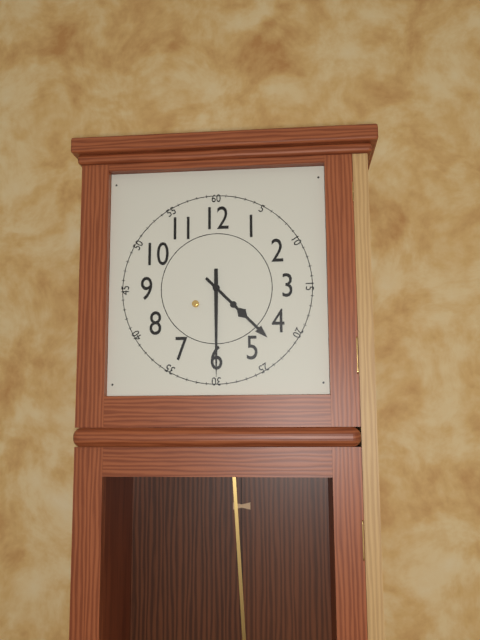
4:30
